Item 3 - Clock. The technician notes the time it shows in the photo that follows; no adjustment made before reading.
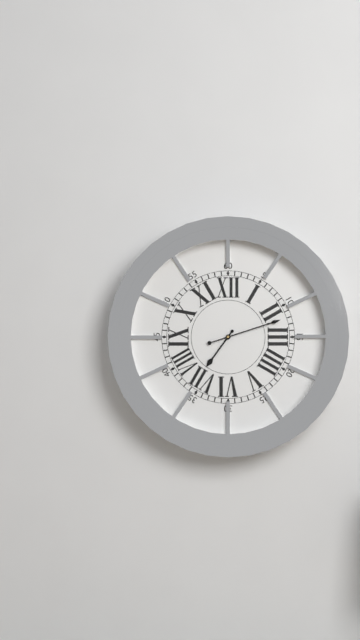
7:12
